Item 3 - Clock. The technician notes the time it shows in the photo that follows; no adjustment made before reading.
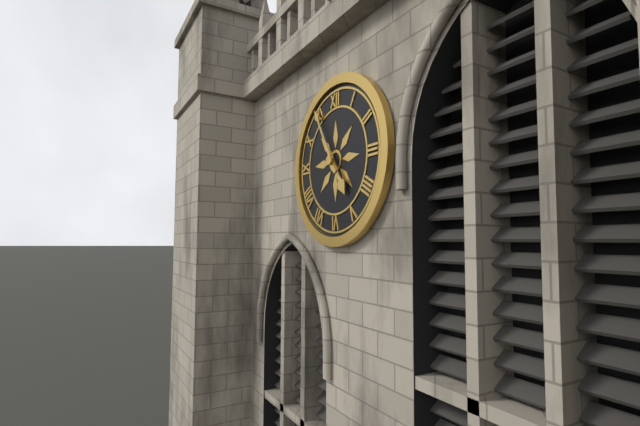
4:55
